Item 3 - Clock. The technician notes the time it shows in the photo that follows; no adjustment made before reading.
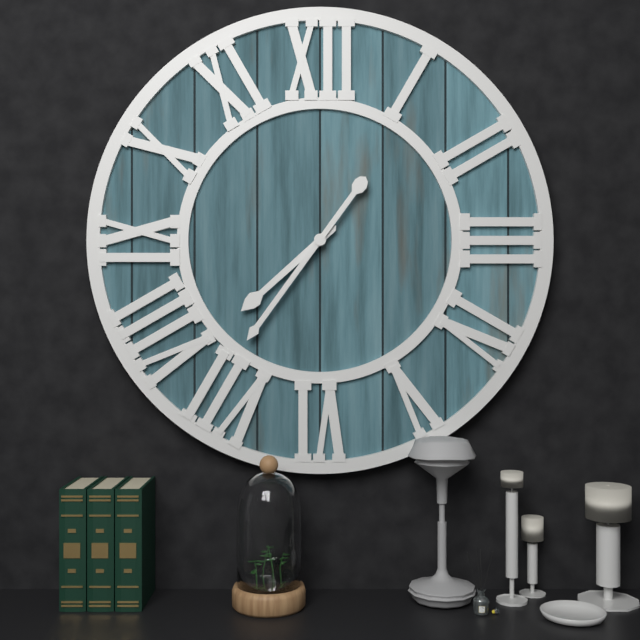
7:36
